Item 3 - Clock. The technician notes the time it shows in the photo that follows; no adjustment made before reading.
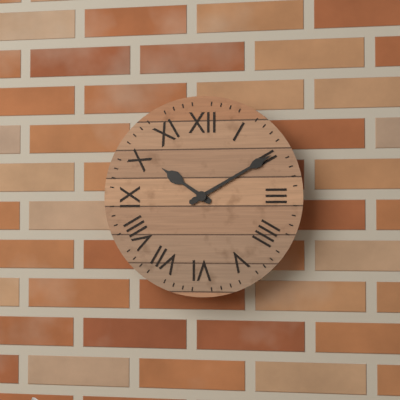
10:10
